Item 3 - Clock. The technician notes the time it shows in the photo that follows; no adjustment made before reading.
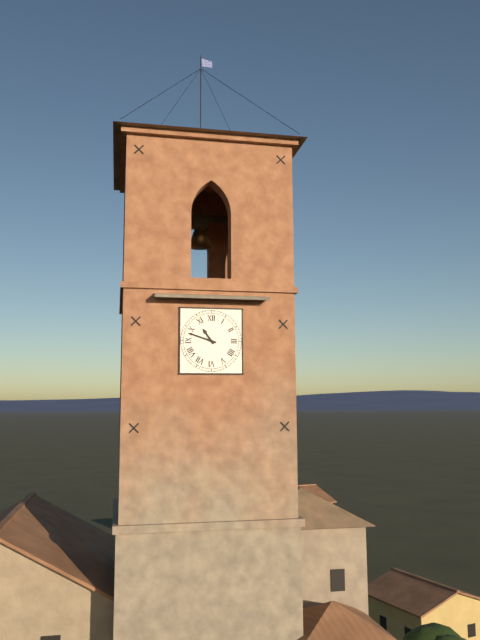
10:48
